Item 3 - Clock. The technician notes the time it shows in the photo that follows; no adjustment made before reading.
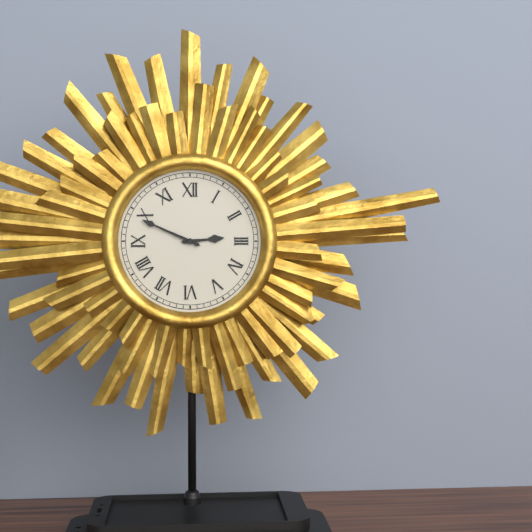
2:49
